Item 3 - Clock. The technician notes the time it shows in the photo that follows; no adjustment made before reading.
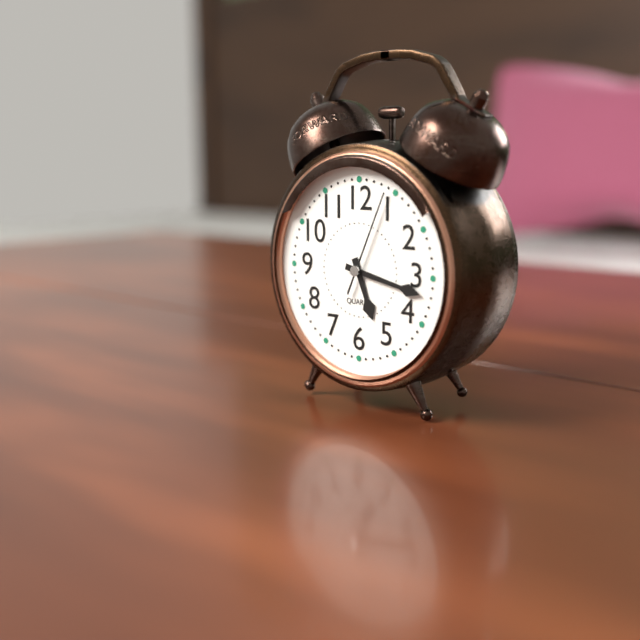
5:17:04
